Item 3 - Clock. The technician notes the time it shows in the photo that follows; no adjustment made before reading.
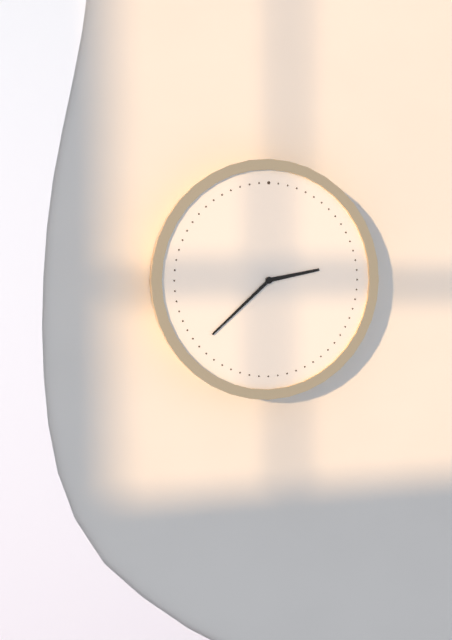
2:38
